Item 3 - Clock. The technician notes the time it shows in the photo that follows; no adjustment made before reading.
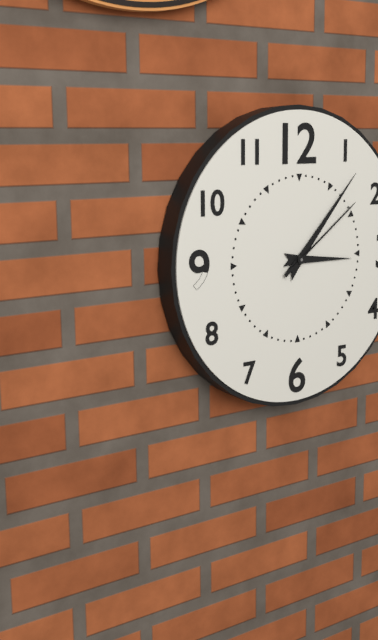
3:07:09
